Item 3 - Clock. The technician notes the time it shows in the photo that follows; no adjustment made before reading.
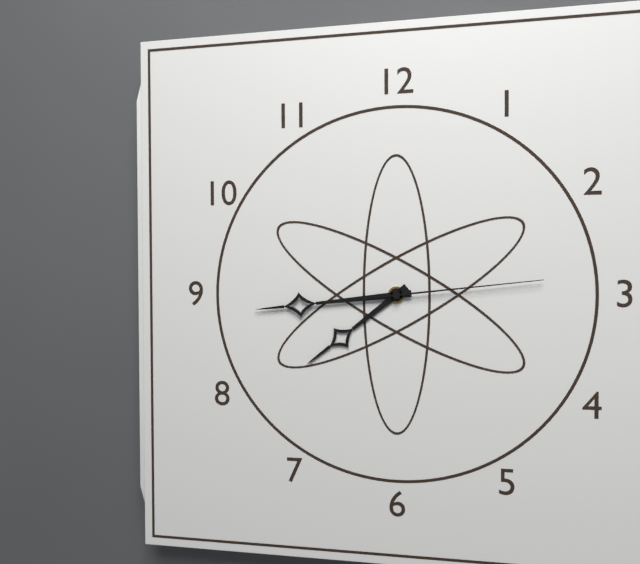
7:44:14
